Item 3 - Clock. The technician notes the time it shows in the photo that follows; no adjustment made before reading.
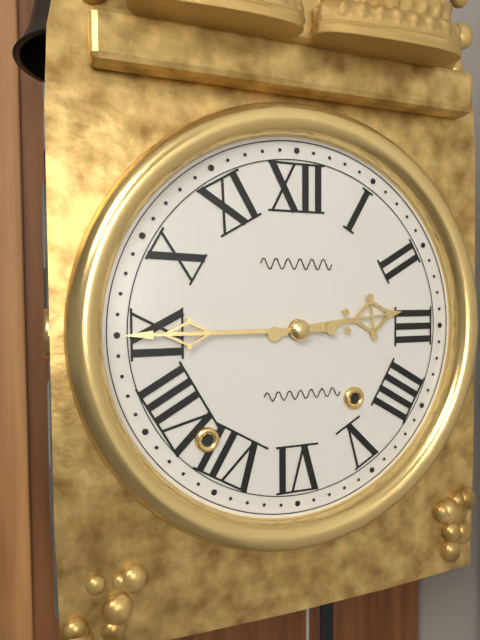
2:45
